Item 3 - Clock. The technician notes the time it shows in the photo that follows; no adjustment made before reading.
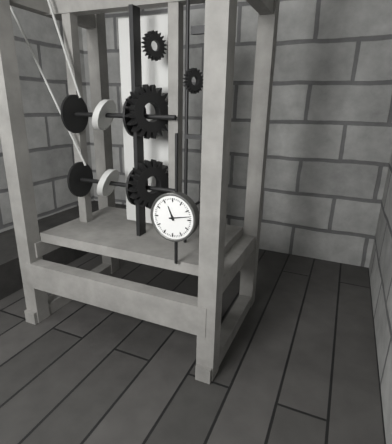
11:13
